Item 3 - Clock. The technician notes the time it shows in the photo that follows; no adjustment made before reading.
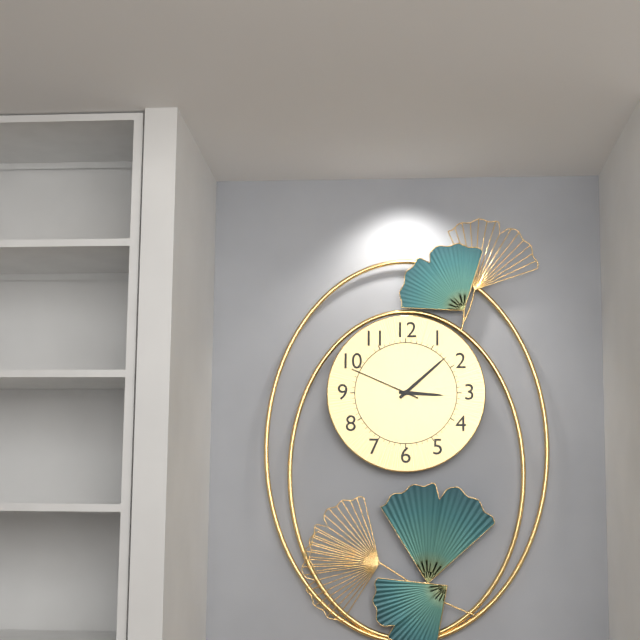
3:08:49
